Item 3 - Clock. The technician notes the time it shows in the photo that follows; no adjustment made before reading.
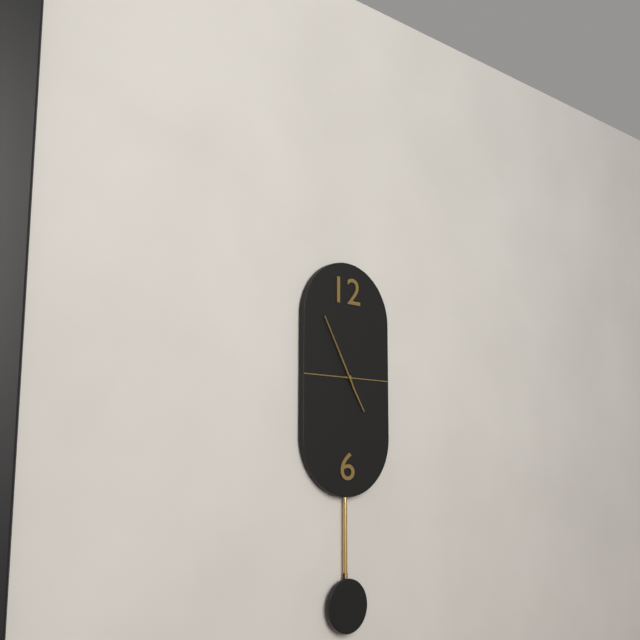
4:55
